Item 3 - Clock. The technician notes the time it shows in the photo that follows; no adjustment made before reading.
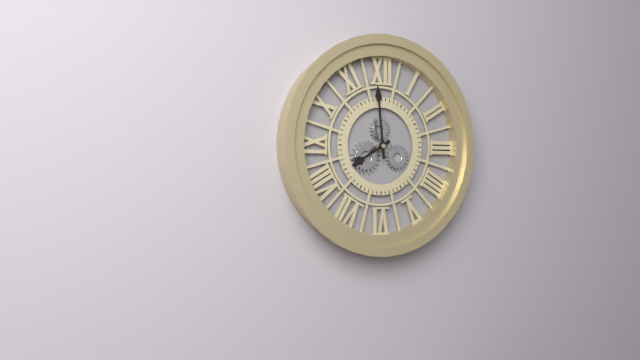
7:59
